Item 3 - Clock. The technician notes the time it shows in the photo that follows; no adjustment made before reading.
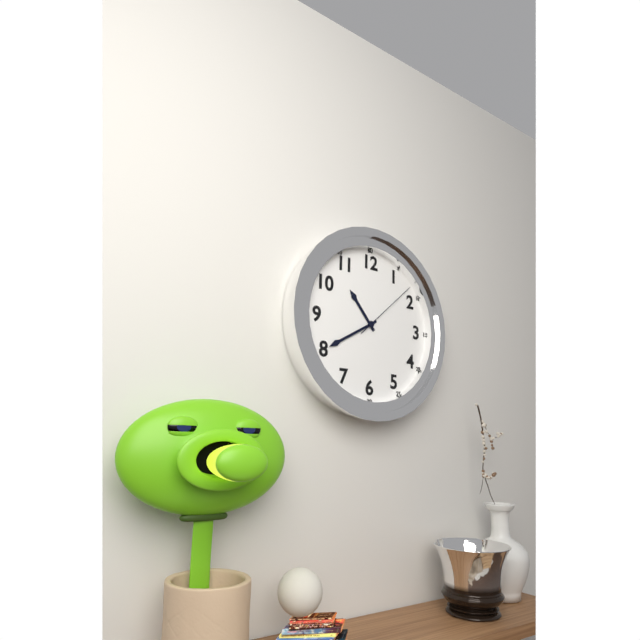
10:40:08
